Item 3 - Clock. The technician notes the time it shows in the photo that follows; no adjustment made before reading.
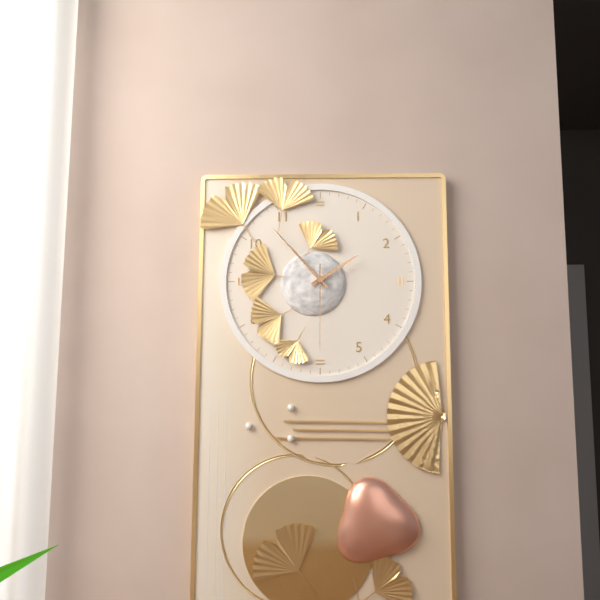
1:53:30
